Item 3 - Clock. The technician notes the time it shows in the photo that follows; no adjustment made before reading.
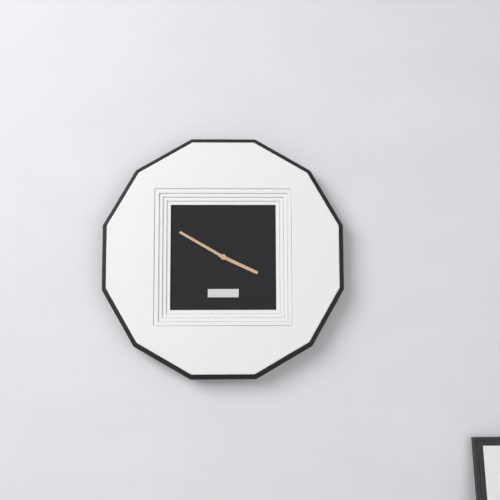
3:50
